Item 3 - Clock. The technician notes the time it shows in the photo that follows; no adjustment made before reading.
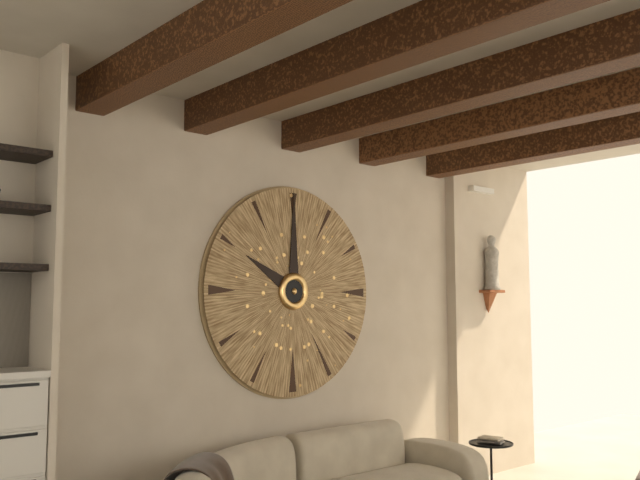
10:00
